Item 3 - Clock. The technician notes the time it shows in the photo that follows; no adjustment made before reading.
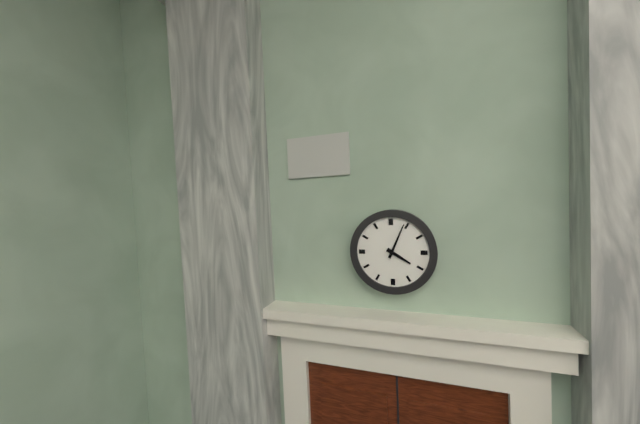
4:04
